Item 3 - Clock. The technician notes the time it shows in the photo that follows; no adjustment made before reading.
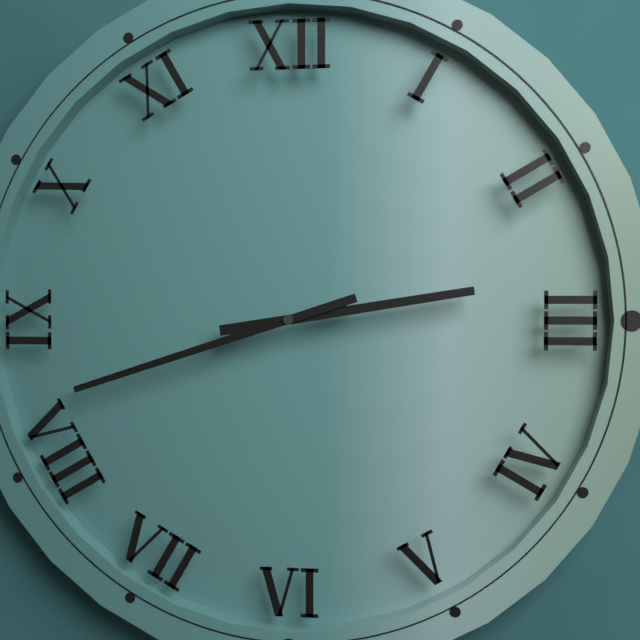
2:42
